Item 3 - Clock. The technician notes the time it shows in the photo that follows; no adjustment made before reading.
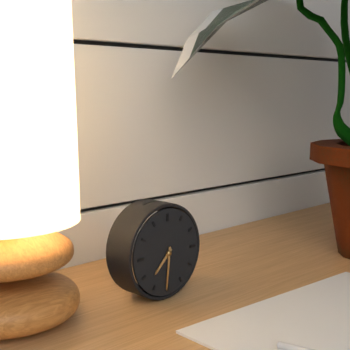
7:31
